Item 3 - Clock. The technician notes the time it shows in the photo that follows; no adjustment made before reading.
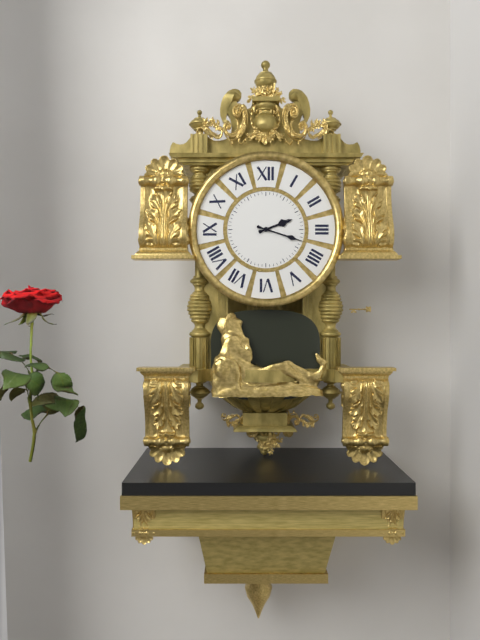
2:18
